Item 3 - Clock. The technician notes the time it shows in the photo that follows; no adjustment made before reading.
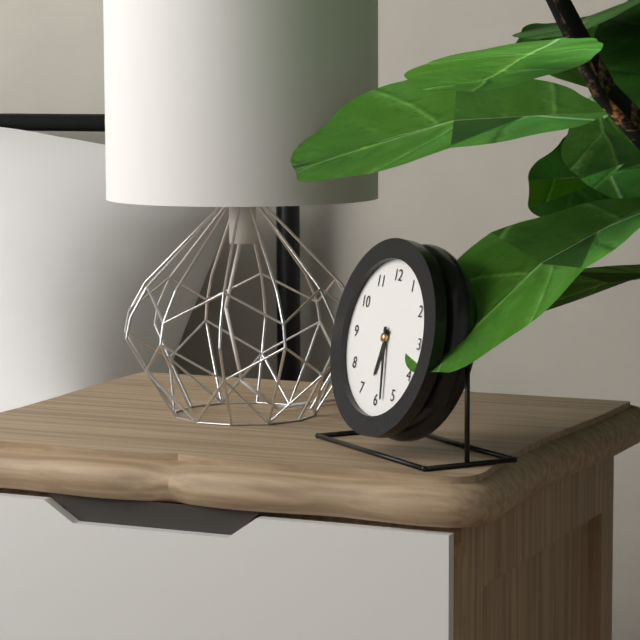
6:28
